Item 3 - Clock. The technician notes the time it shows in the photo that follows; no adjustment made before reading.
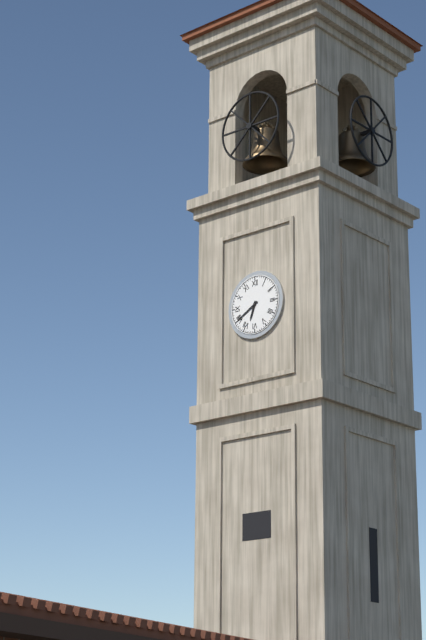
6:40
